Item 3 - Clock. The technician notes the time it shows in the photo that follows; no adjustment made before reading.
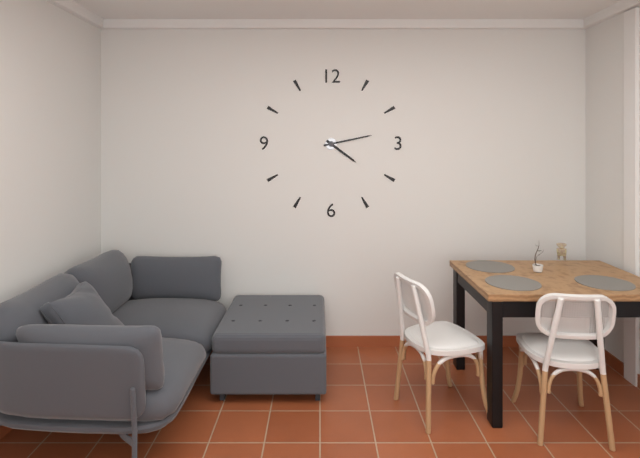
4:13
